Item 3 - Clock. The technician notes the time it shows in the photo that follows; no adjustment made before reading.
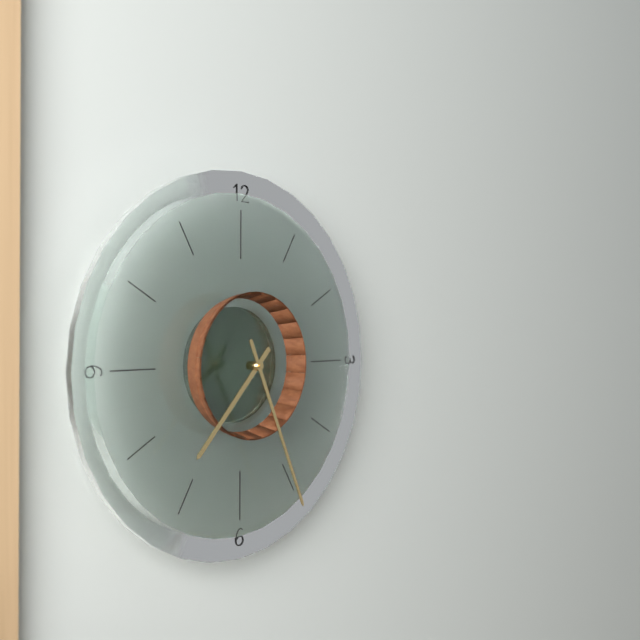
7:26
